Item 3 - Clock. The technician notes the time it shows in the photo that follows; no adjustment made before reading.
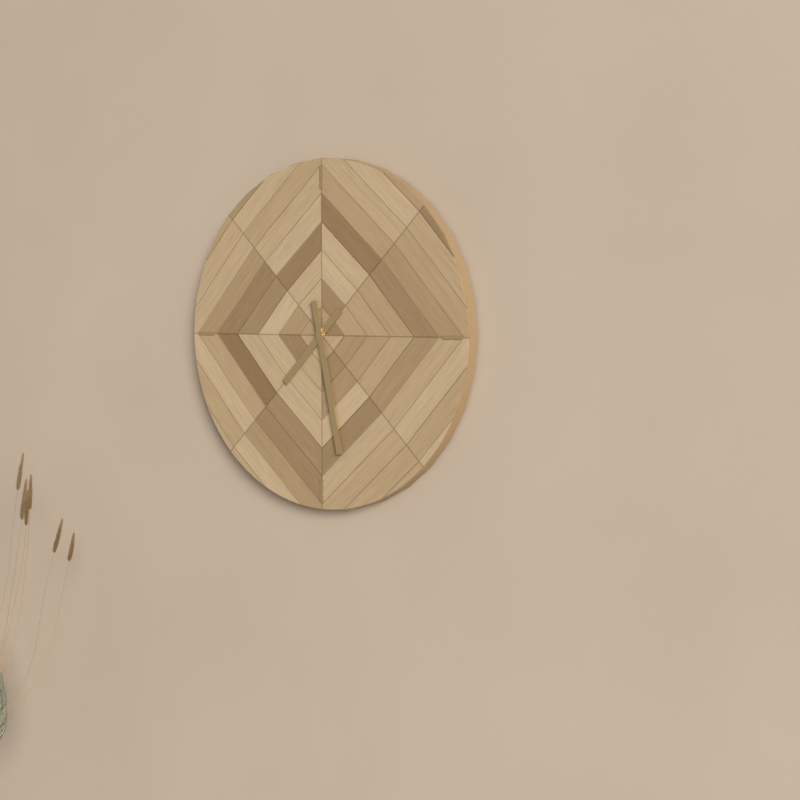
7:28
